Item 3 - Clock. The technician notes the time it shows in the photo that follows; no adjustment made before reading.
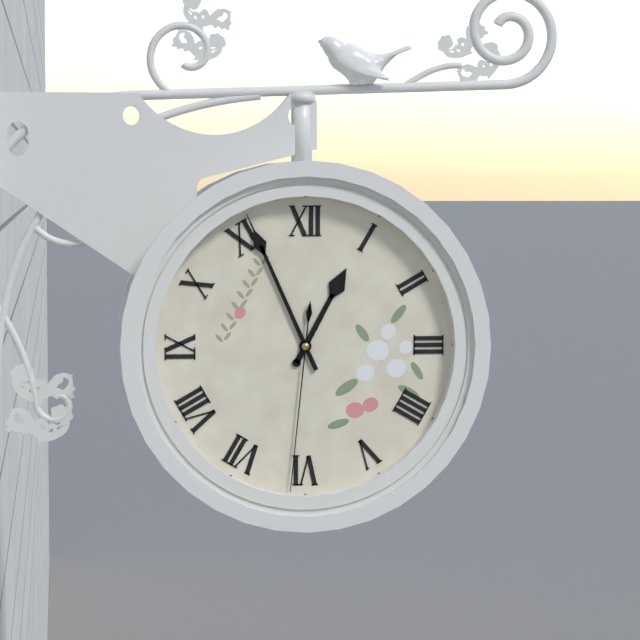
12:56:31
